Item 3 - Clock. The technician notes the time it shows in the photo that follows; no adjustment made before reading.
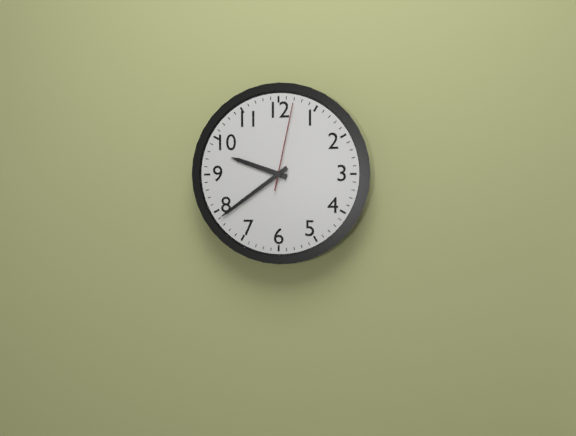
9:39:02
